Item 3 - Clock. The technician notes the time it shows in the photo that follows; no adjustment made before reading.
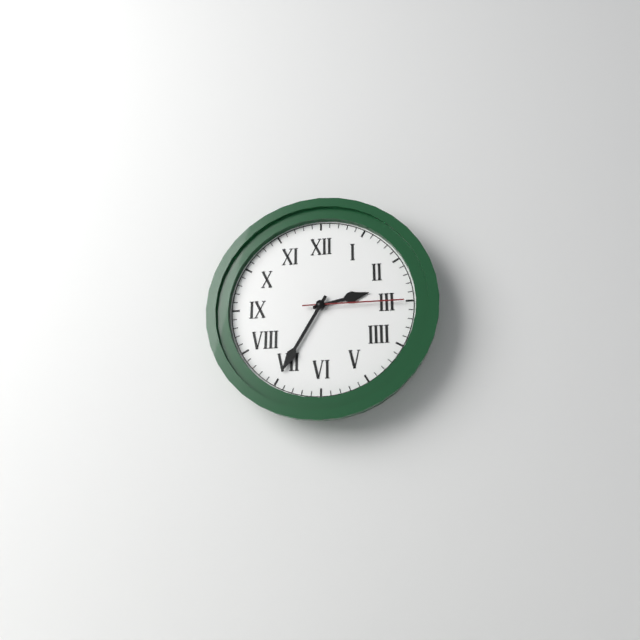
2:35:15
